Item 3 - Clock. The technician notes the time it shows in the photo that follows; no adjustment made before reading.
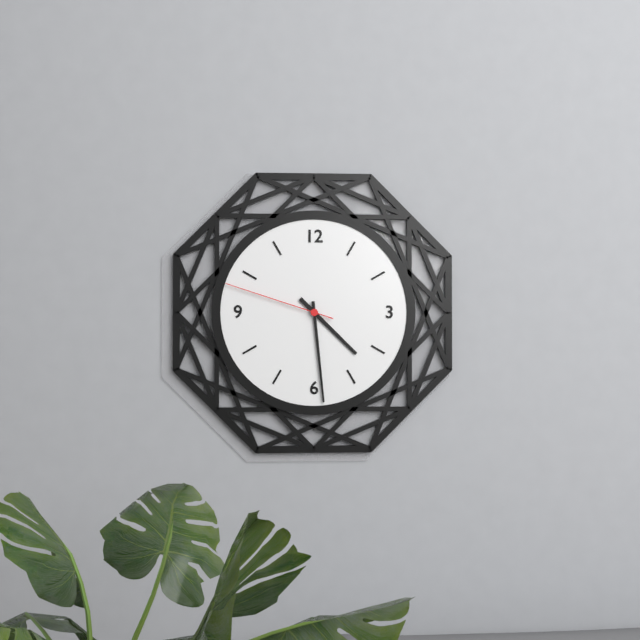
4:29:48
